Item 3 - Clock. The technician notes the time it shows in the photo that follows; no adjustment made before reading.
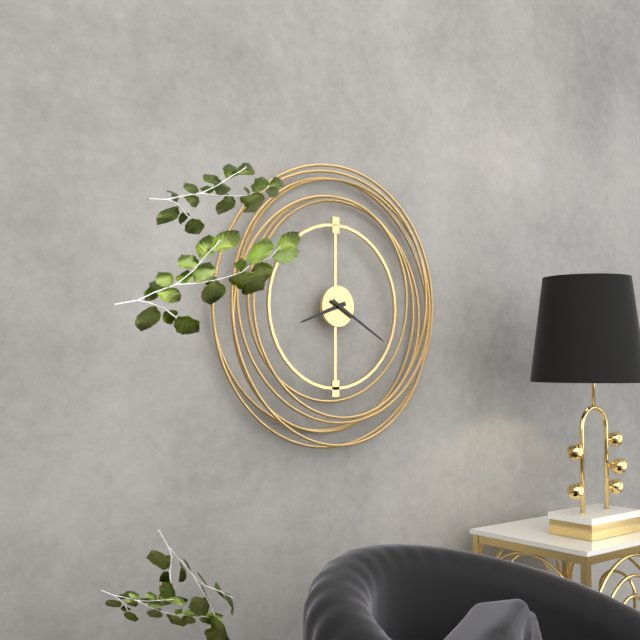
8:20
